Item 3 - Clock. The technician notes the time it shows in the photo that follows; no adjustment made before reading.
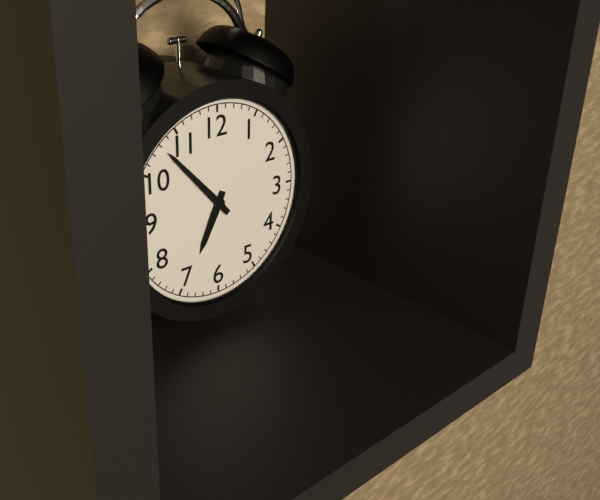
6:53
